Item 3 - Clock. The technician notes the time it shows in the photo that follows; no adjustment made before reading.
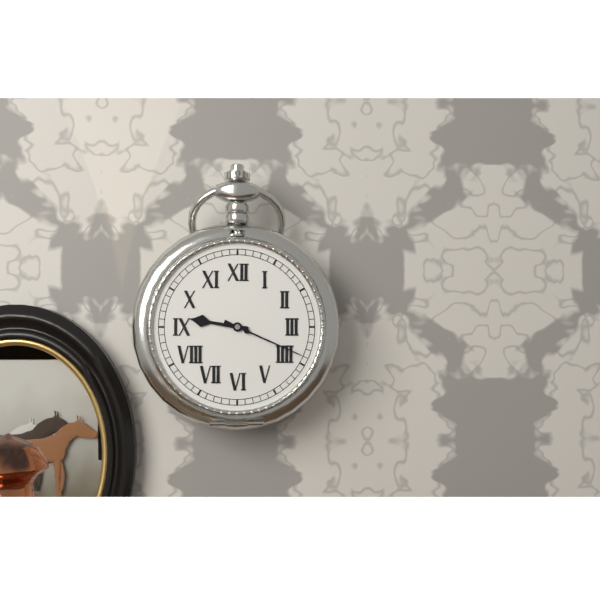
9:19
